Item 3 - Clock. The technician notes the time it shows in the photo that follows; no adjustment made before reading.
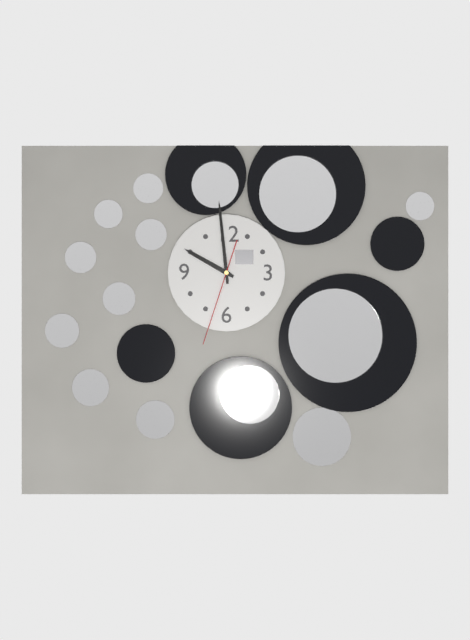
9:59:33
